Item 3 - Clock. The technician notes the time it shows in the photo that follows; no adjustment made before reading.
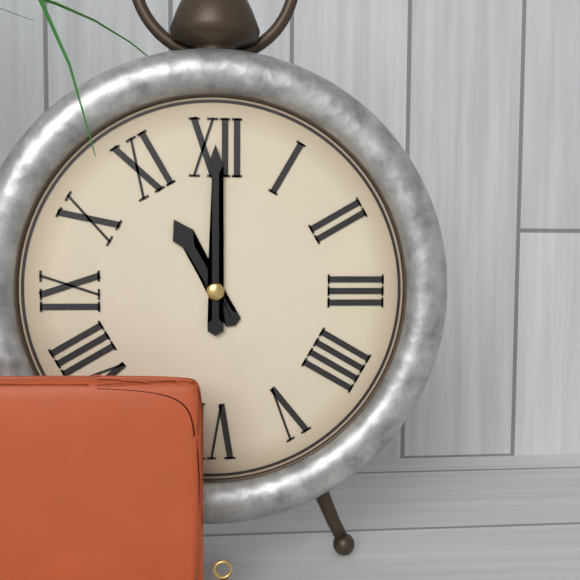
11:00
